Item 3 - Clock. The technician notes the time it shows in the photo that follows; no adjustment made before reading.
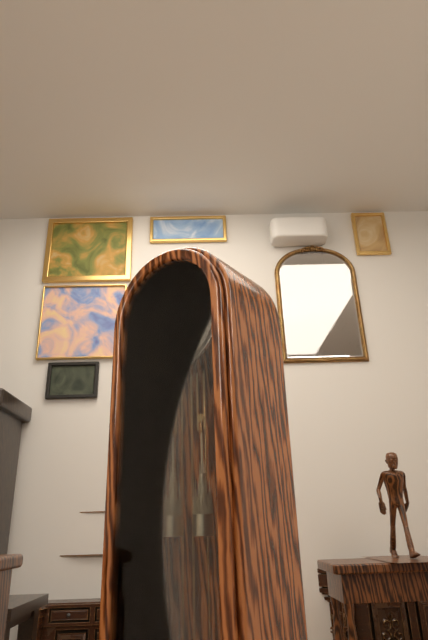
4:07
